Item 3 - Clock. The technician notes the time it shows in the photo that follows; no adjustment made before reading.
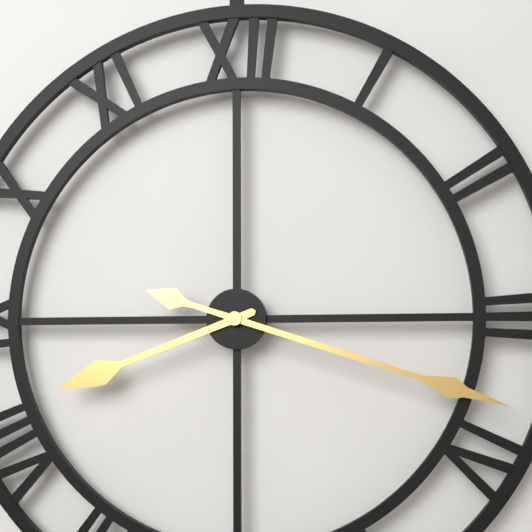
8:18
